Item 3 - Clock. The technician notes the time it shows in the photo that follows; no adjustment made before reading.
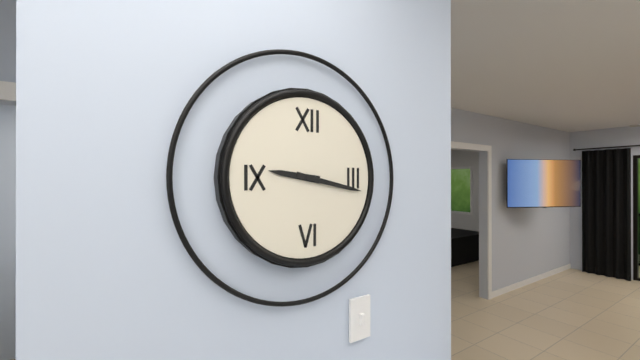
9:17
